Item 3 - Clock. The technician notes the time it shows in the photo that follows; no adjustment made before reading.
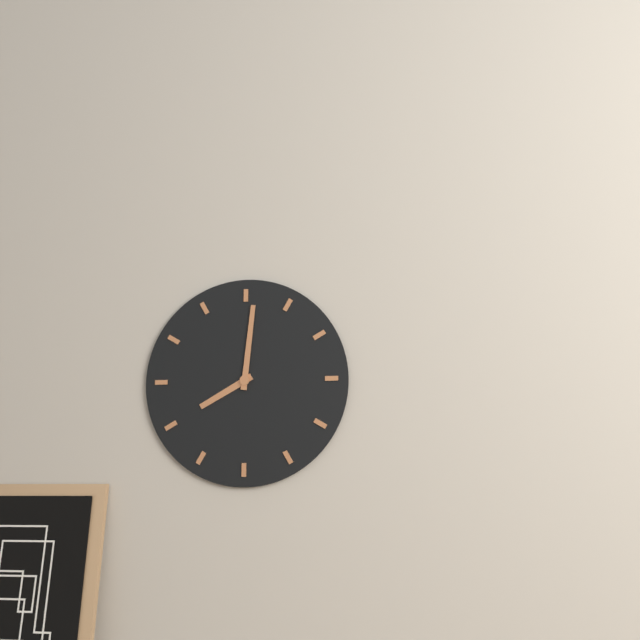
8:01
